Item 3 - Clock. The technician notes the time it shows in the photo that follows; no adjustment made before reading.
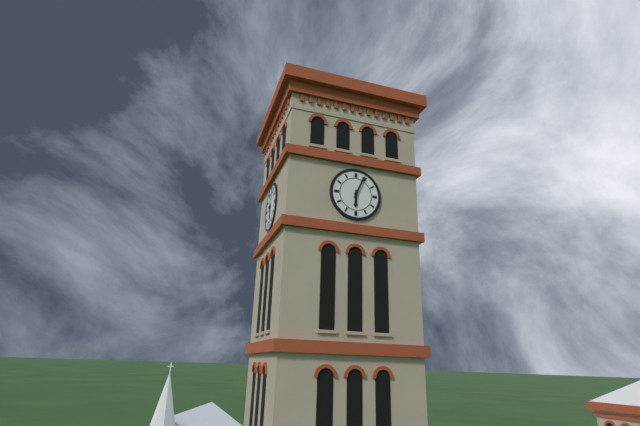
6:04
